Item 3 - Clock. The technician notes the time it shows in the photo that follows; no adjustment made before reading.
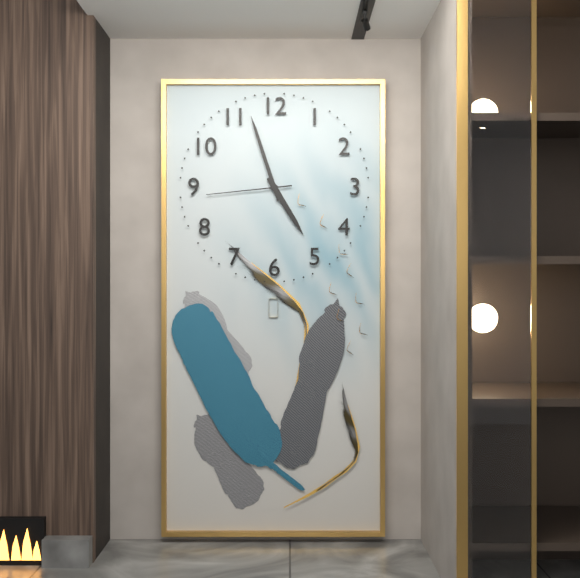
4:57:44
